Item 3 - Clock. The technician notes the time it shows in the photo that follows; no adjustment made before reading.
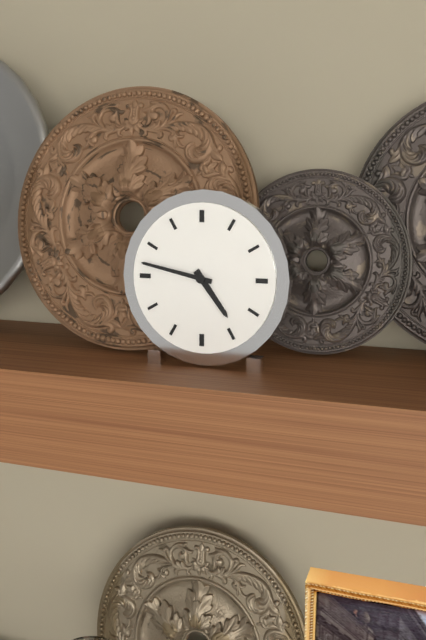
4:47
